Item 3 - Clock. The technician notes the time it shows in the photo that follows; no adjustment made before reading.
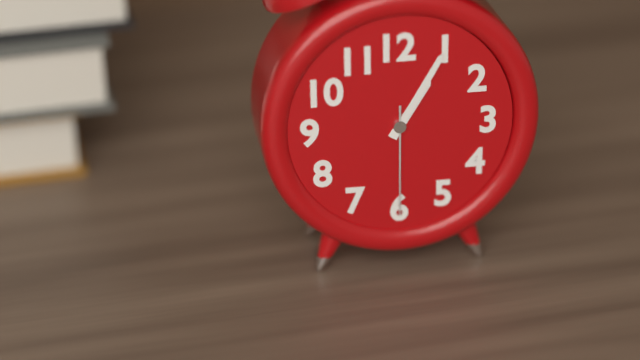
1:05:30
